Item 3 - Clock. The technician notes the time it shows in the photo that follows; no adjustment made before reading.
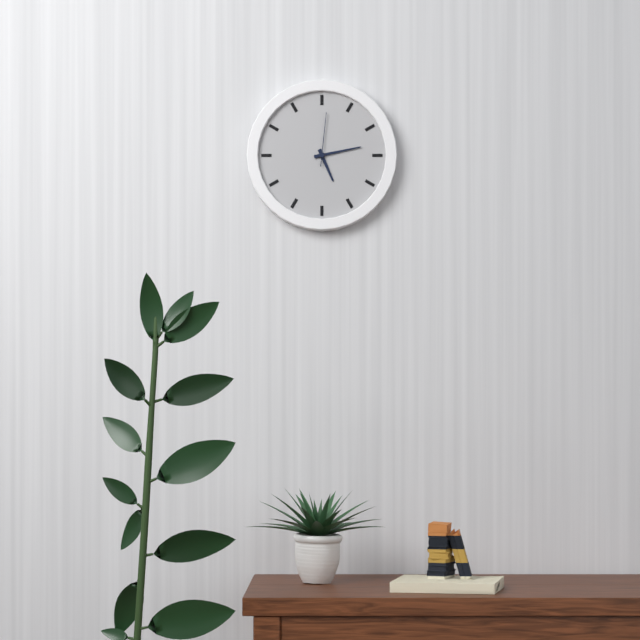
5:13:01
